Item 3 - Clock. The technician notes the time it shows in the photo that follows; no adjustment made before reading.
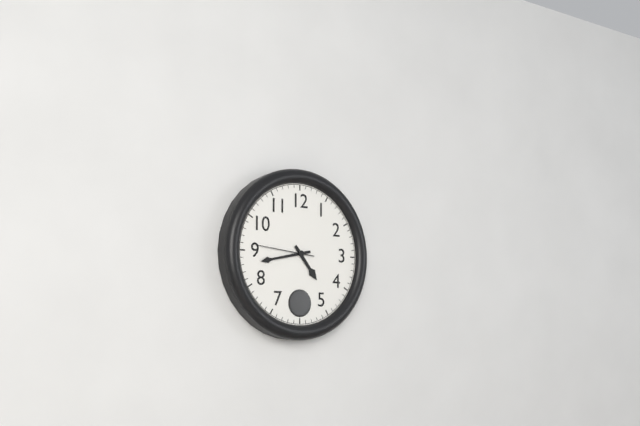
4:43:46
